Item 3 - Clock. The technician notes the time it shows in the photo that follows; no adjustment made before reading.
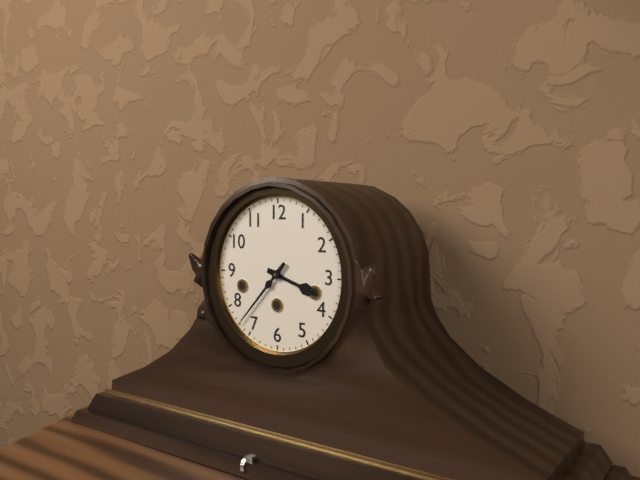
3:37
